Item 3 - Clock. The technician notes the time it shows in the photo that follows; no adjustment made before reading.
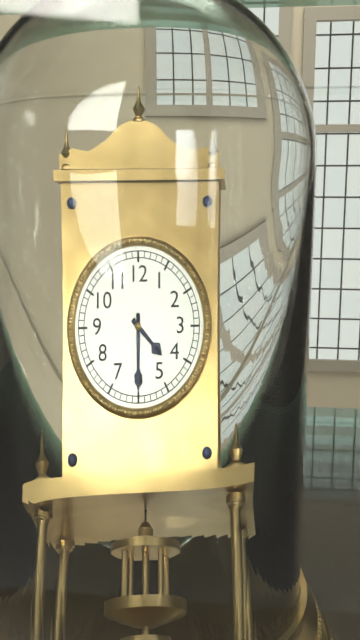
4:30
